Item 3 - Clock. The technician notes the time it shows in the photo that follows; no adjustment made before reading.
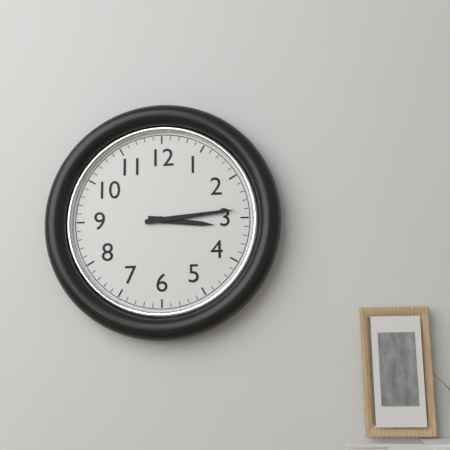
3:14
